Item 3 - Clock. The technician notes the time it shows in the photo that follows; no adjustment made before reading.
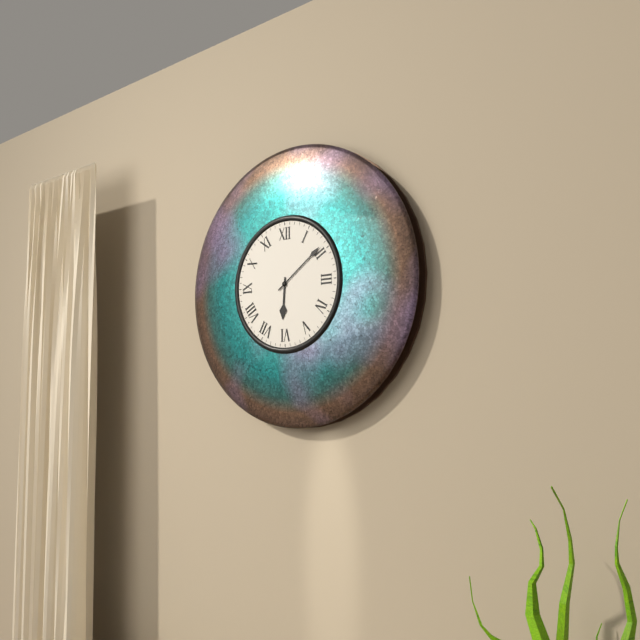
6:09
